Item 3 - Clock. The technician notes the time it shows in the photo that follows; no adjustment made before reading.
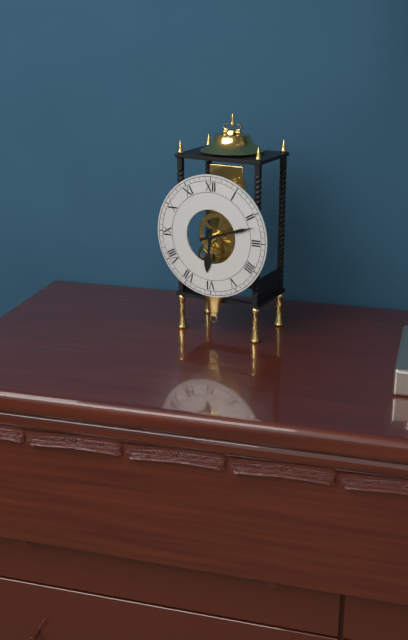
6:12
